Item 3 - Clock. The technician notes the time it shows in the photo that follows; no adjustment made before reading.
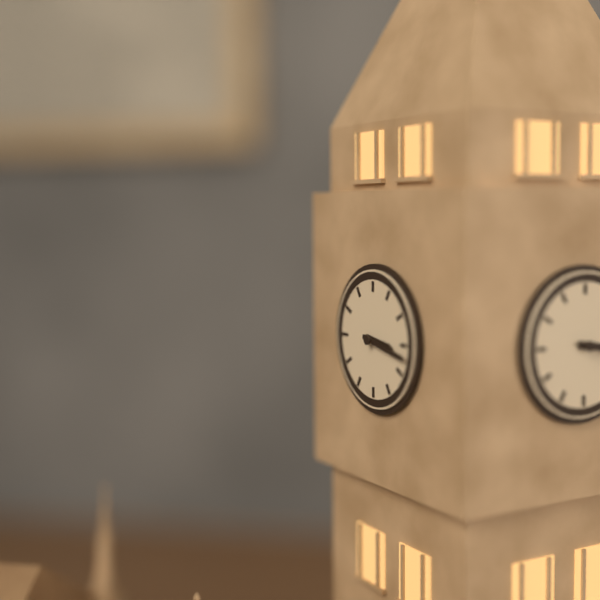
3:17
